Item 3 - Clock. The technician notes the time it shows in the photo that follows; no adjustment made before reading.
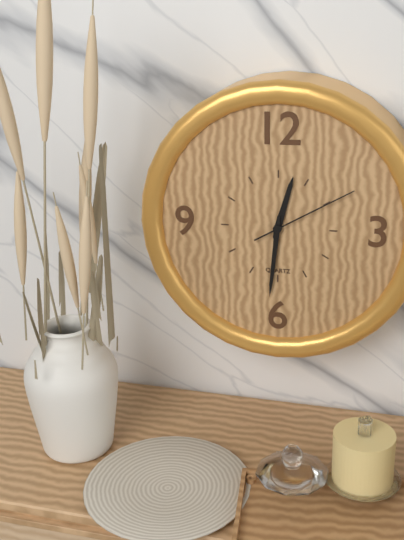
12:31:10
